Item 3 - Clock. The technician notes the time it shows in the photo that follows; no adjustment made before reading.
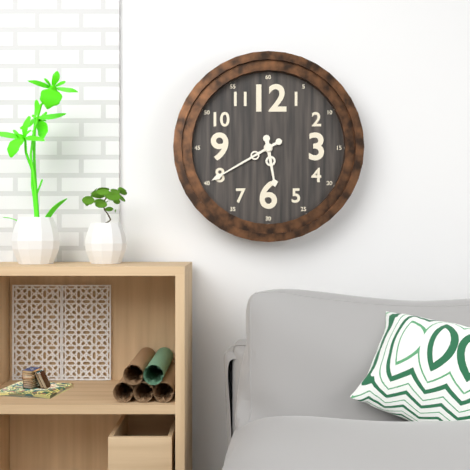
5:40
